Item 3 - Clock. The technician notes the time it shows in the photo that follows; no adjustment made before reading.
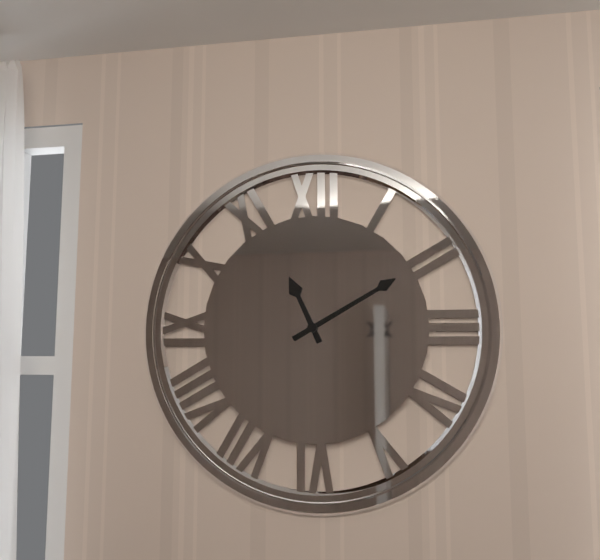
11:10
